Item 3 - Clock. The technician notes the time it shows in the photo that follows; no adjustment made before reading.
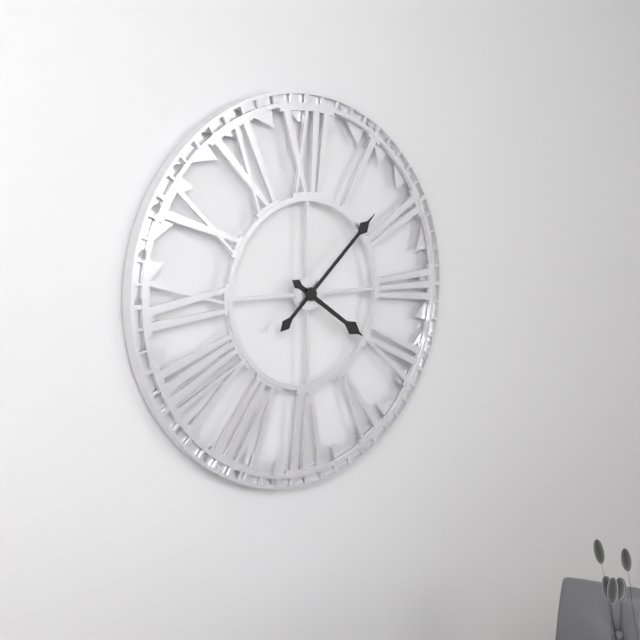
4:08
